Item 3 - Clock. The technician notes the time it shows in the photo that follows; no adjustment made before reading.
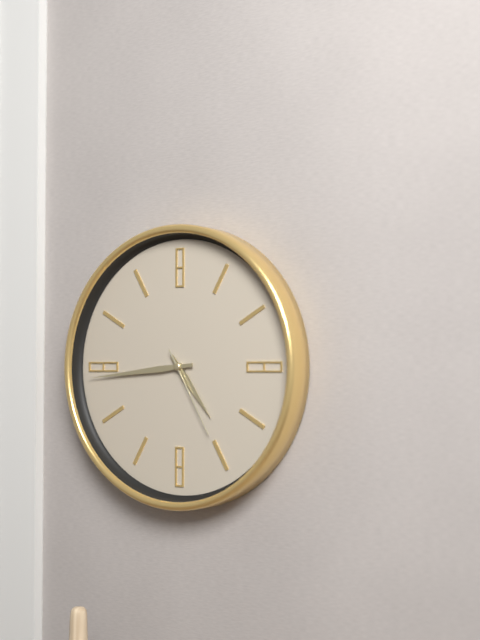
4:44:25
